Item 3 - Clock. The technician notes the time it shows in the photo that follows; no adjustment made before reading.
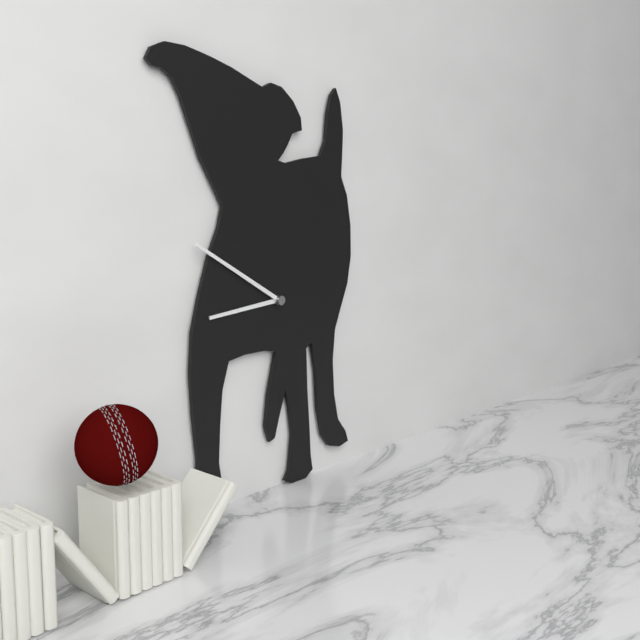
8:50
